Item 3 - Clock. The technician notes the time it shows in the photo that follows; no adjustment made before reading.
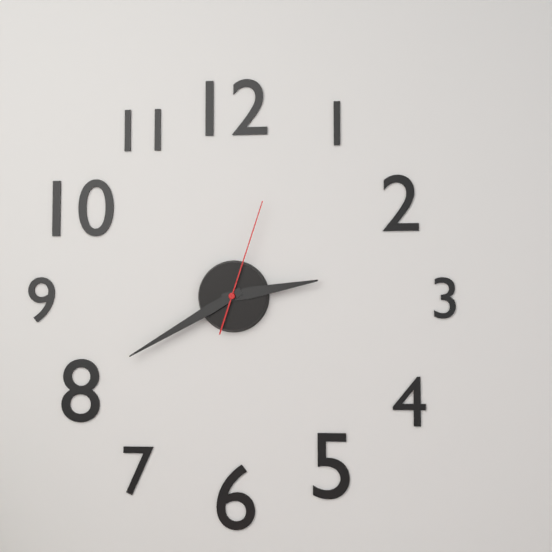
2:40:03
